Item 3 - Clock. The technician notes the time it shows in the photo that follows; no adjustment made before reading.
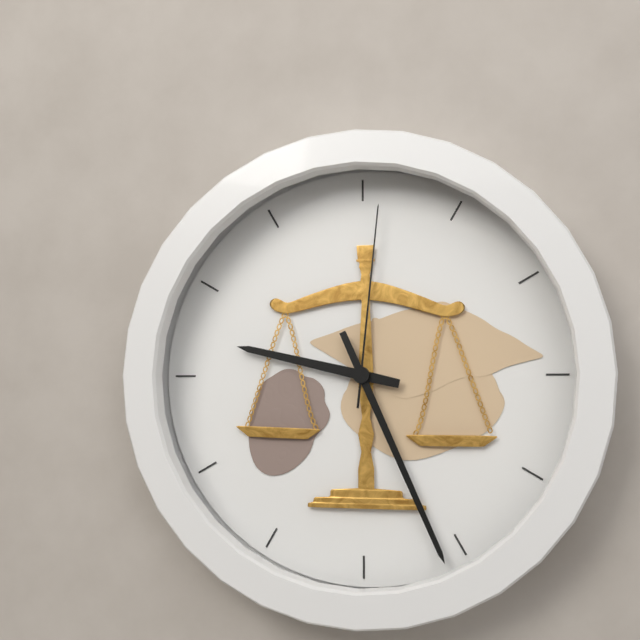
9:26:01
